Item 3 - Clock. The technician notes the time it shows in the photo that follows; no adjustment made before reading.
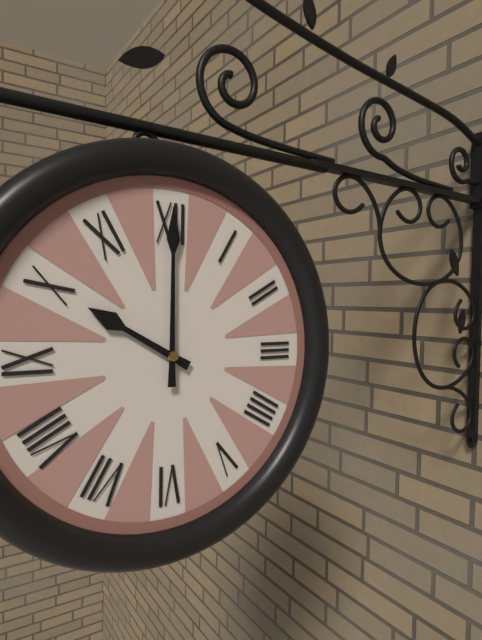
10:00
